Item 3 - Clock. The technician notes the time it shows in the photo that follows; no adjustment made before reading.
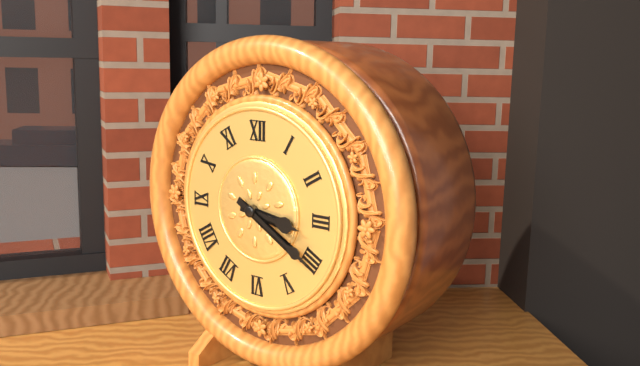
3:20
